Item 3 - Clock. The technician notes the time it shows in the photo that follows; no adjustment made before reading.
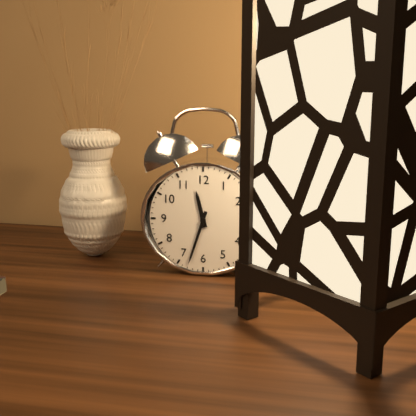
11:33
